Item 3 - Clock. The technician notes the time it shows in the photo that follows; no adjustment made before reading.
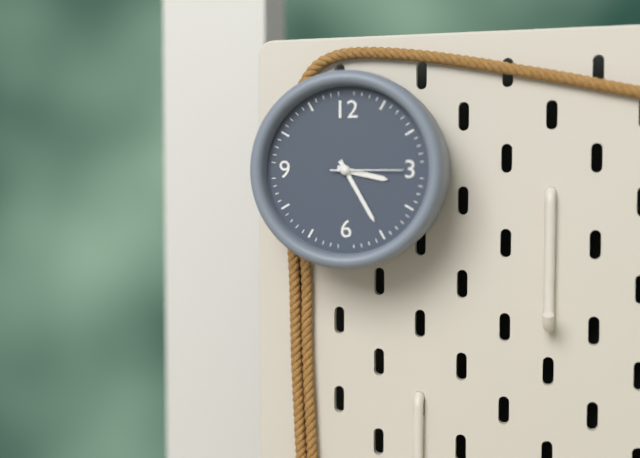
3:25:15
